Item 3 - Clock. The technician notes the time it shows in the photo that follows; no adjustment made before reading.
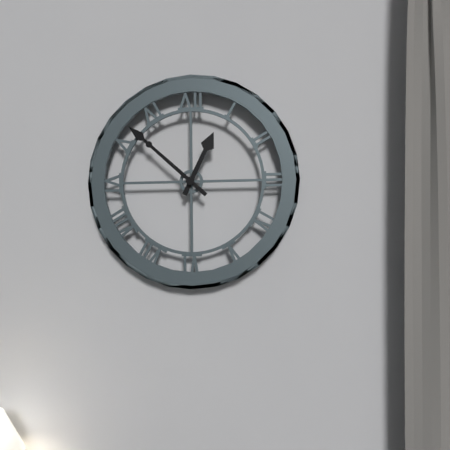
12:52
